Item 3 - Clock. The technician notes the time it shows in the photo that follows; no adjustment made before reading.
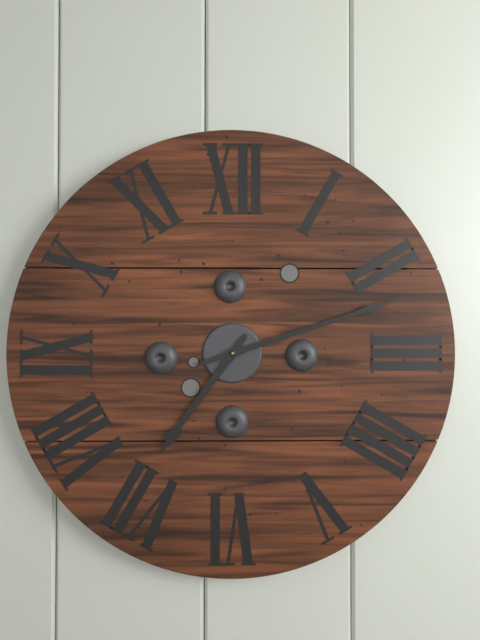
7:12
